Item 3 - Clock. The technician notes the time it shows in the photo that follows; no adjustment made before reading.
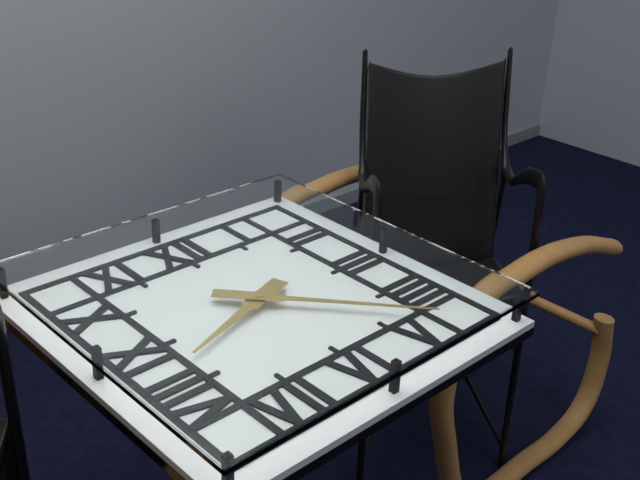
8:23
